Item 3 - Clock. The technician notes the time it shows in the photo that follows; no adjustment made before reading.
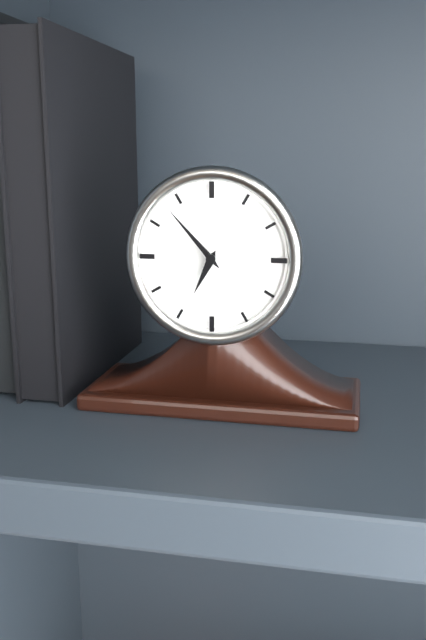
6:53
